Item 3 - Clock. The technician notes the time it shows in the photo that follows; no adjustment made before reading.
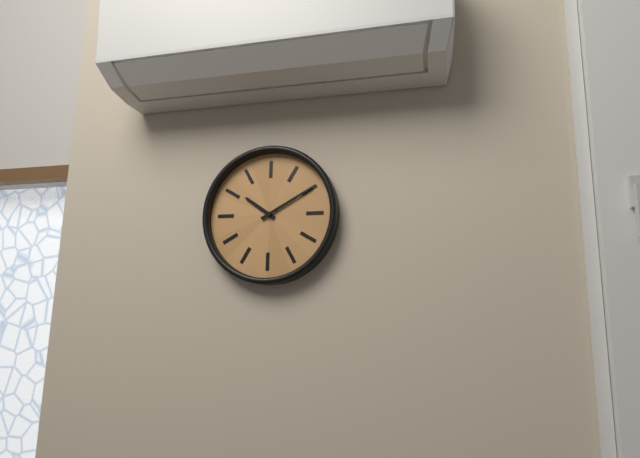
10:10
